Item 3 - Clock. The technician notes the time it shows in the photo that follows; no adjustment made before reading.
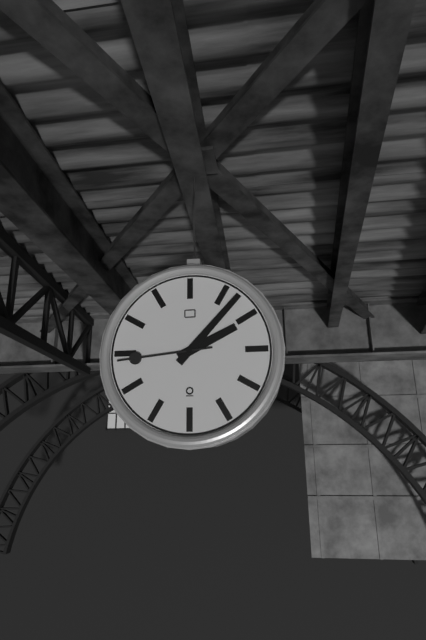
2:07:44
